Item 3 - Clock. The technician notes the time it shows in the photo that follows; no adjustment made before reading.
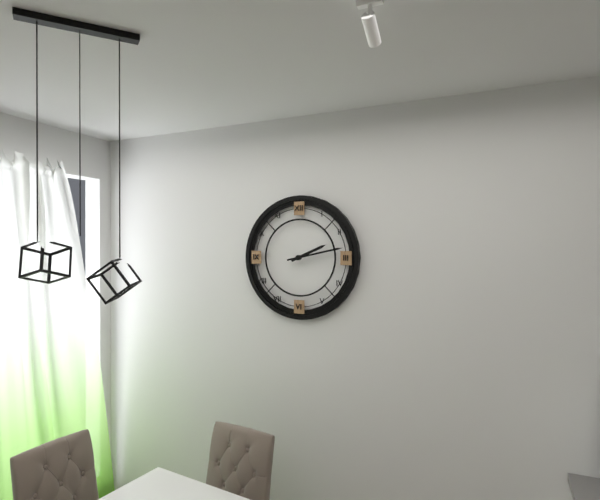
2:13
